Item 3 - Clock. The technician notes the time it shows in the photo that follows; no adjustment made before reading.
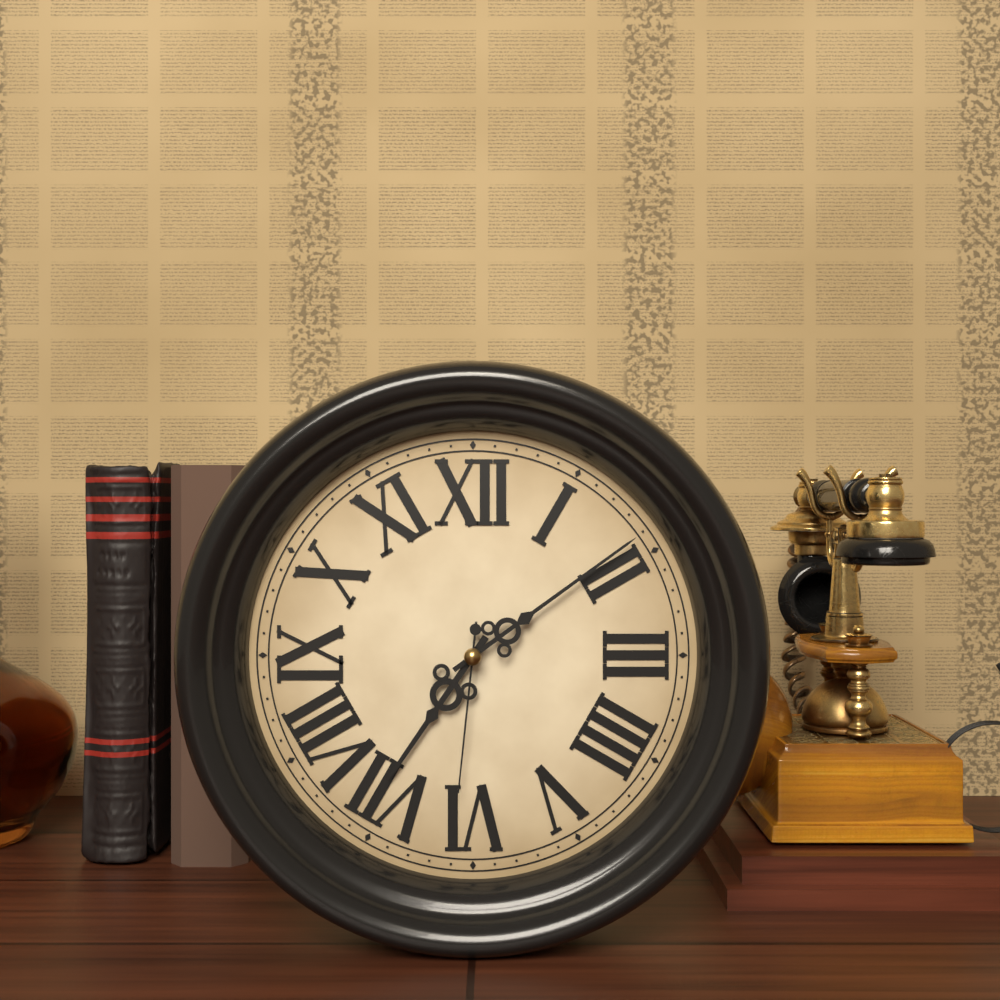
7:09:31
